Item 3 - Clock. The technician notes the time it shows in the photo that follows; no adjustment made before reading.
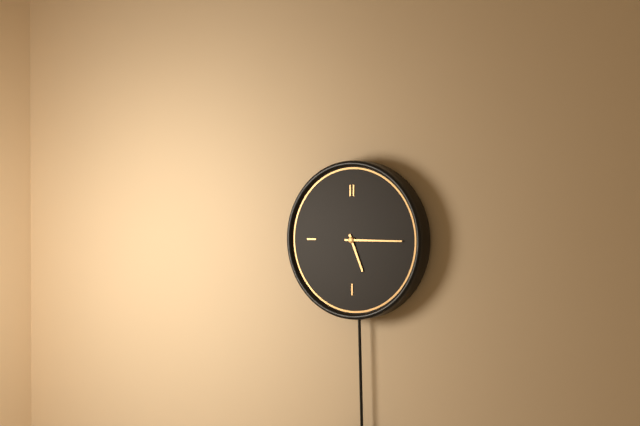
5:15
